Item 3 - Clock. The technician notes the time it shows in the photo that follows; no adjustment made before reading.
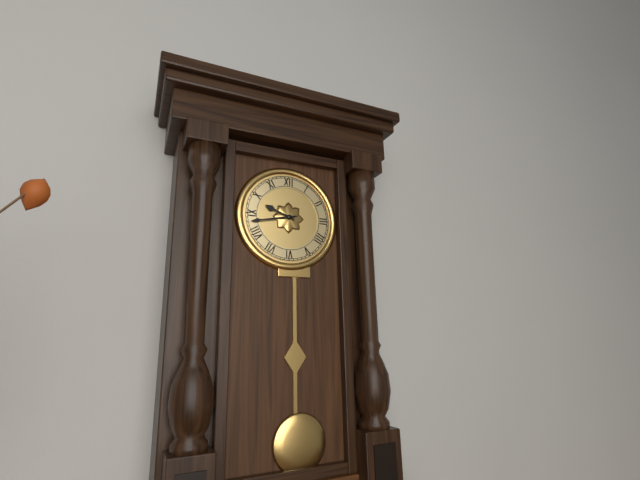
9:43
